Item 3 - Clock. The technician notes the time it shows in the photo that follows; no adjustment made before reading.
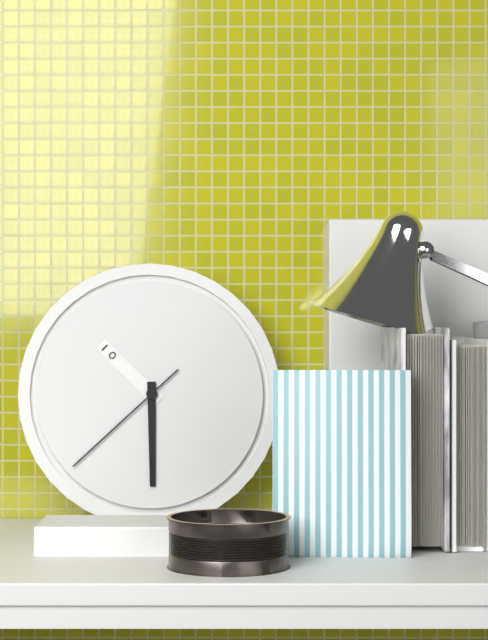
10:30:38
